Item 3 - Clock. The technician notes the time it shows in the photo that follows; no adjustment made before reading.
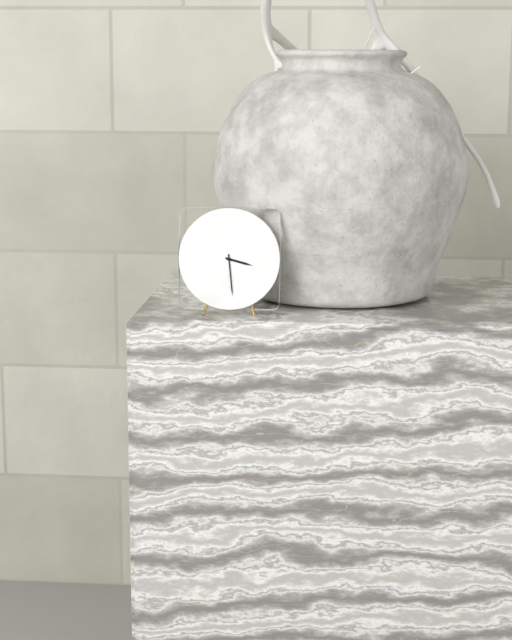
3:29
